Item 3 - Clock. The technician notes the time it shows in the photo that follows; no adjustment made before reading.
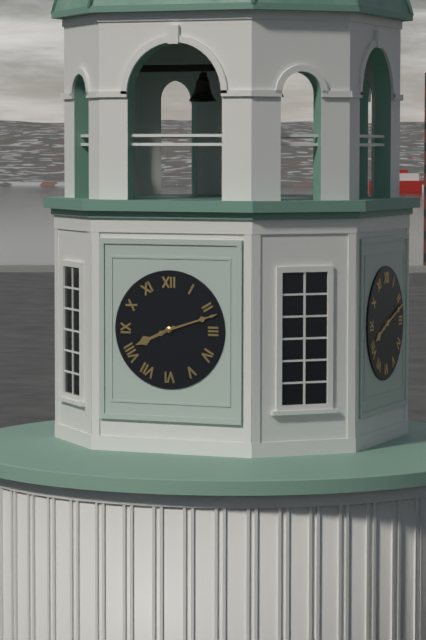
8:12
